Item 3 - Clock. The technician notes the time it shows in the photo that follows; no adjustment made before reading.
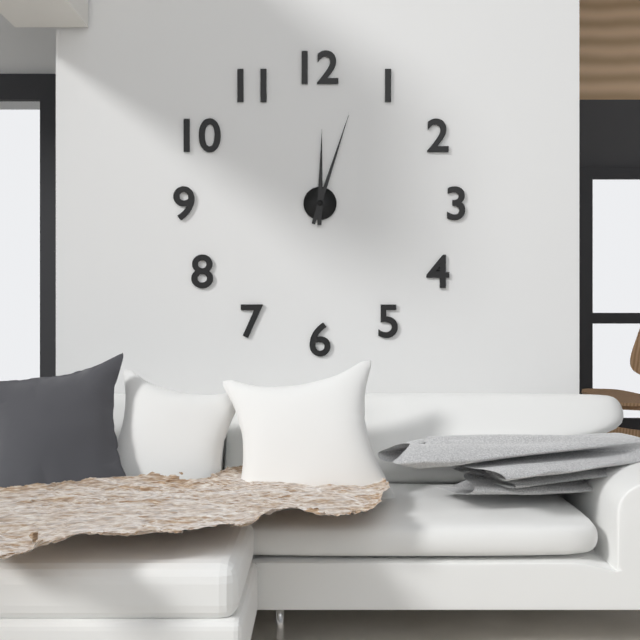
12:03
